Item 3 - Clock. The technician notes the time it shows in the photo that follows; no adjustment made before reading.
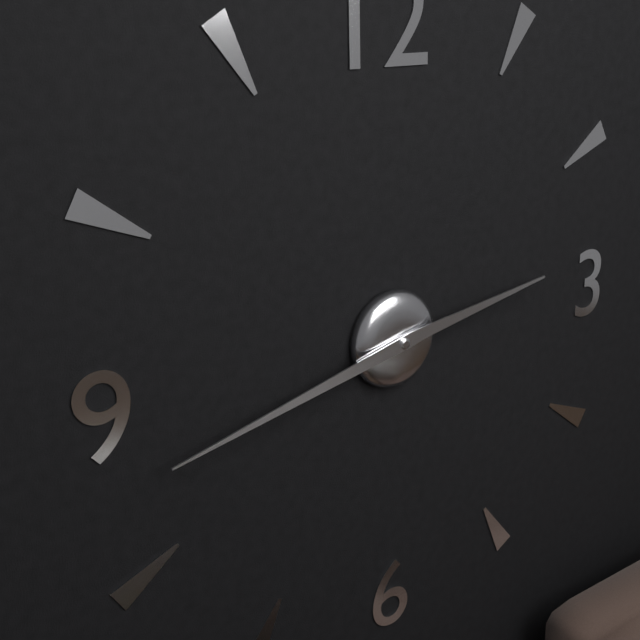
2:43
